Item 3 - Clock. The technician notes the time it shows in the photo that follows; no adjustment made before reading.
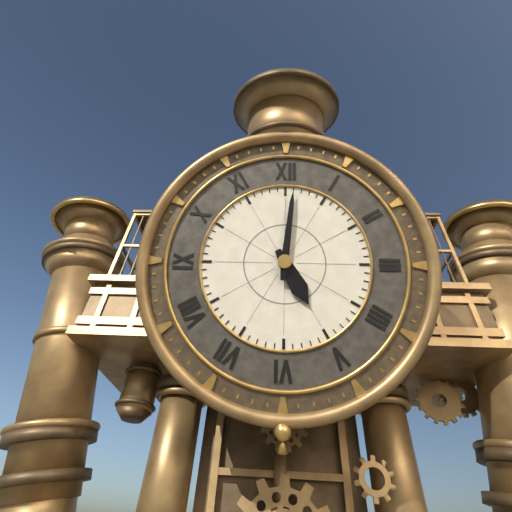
5:01
